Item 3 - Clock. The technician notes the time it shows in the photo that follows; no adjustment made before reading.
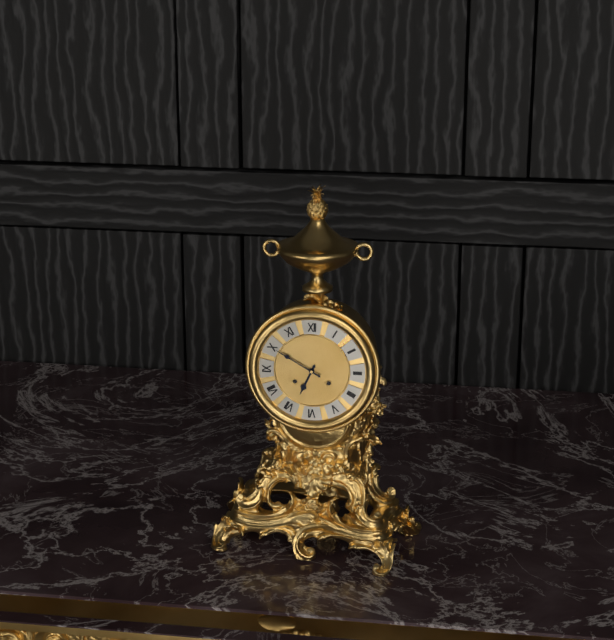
6:50
